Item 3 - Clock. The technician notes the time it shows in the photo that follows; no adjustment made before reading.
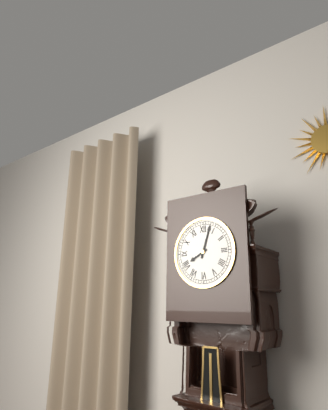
8:03
